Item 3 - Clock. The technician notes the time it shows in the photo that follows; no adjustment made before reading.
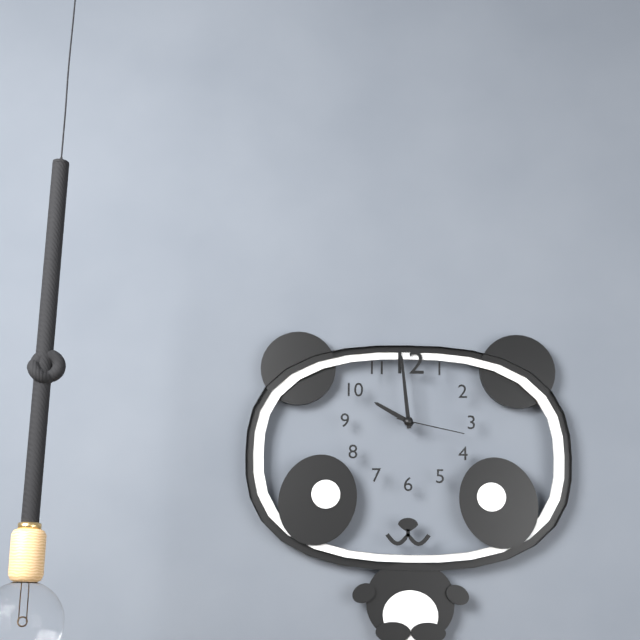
9:59:17
